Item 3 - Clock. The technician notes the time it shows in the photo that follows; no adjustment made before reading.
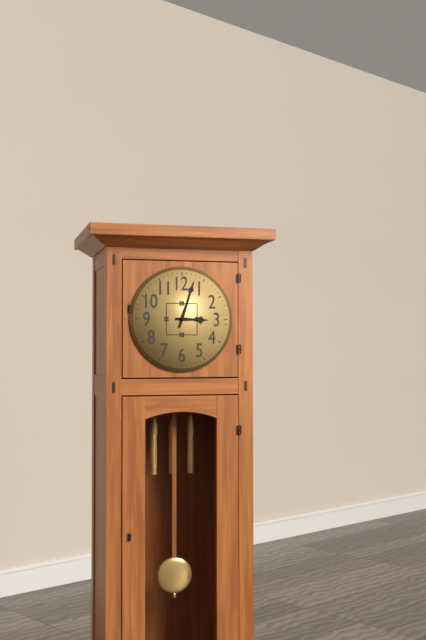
3:03
